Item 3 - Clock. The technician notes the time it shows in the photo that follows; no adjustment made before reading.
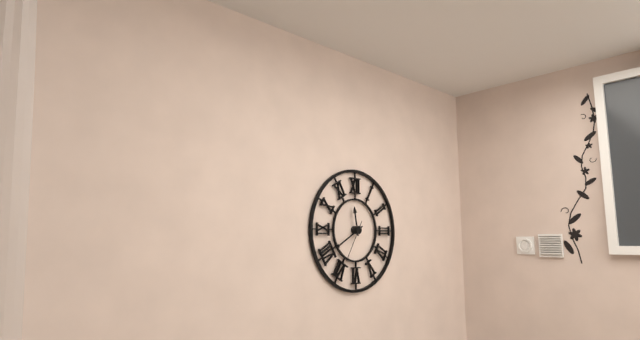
11:40
